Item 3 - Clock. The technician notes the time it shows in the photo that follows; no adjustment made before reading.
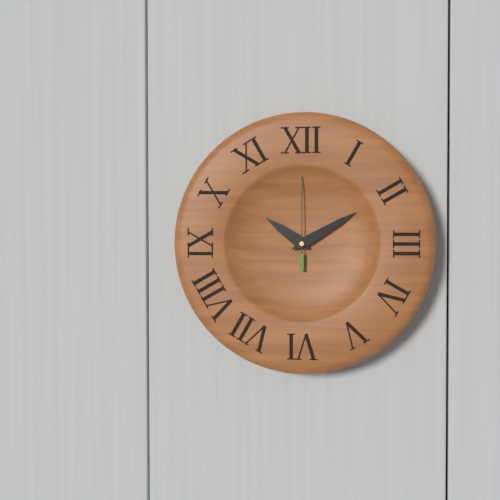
10:10:00
